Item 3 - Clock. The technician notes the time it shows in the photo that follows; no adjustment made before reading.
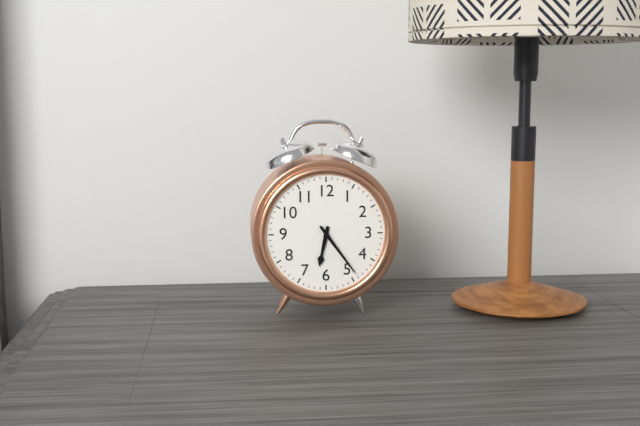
6:24
